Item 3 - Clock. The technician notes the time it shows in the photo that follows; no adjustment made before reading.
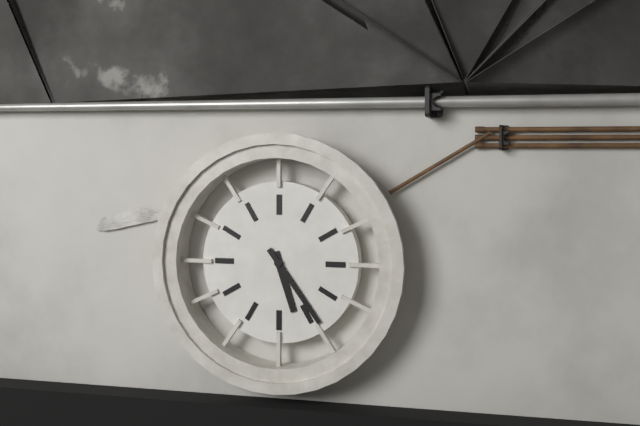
5:24
